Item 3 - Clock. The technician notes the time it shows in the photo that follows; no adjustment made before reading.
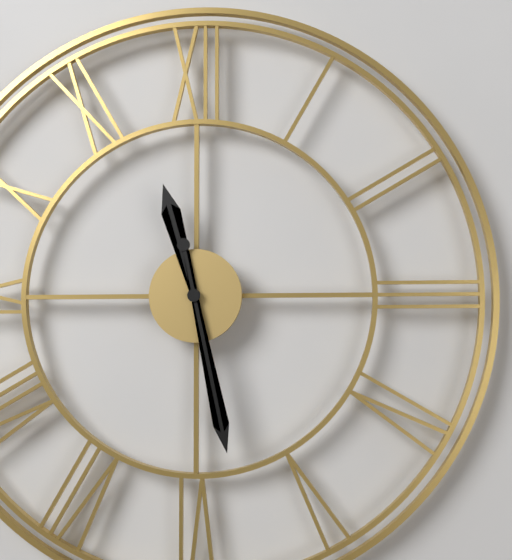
11:28
